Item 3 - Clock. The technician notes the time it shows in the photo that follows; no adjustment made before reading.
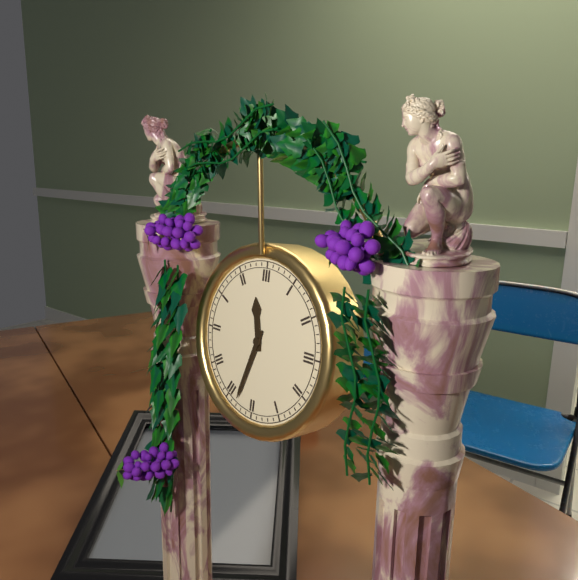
11:33
